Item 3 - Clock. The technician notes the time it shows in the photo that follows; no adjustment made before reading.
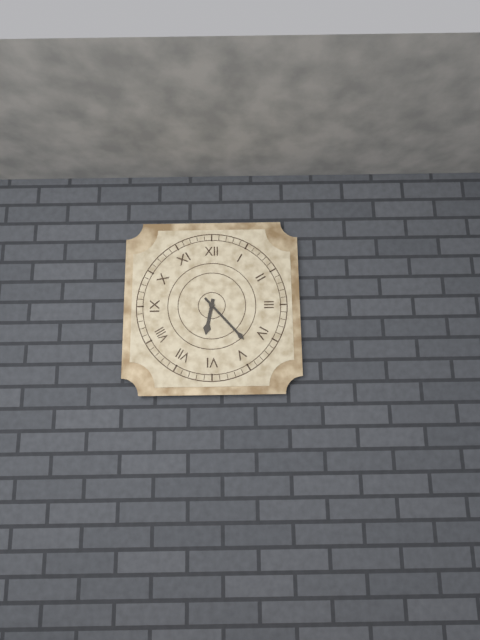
6:23
